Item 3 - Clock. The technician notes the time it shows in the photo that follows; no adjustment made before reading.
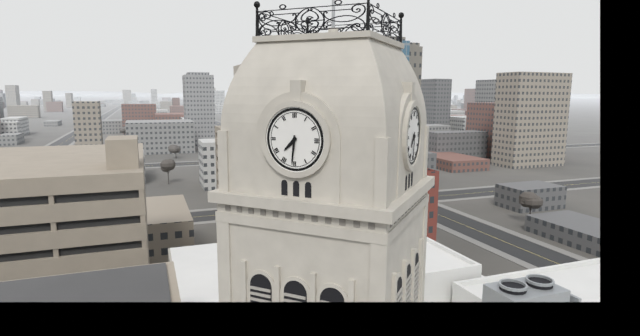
7:31
